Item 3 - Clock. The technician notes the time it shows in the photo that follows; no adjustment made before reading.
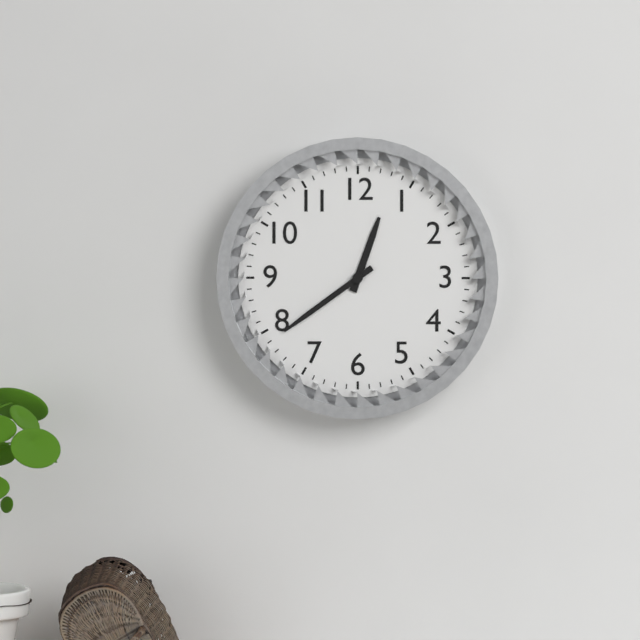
12:39
